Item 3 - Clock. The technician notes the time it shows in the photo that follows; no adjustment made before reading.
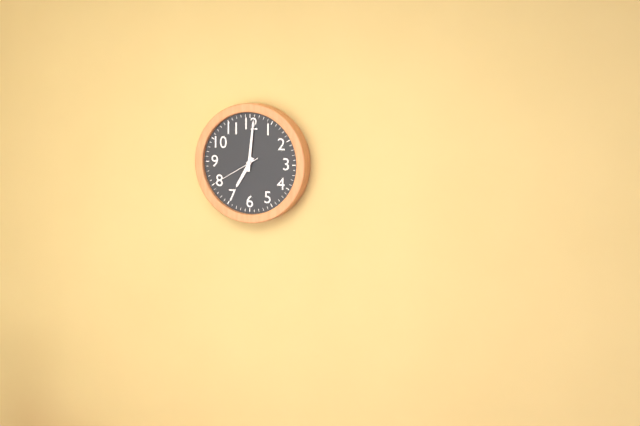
7:01:40
